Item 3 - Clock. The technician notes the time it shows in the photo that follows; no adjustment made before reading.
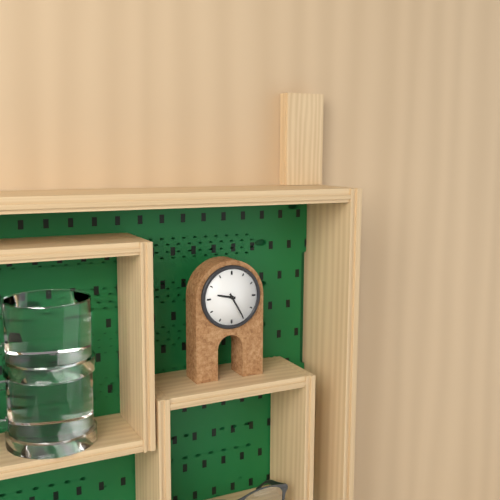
9:25
